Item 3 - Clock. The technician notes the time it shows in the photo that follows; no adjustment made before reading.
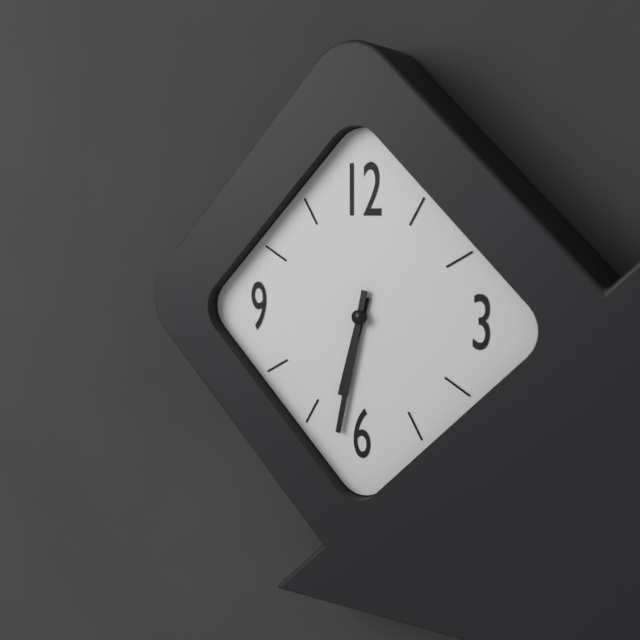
6:32
